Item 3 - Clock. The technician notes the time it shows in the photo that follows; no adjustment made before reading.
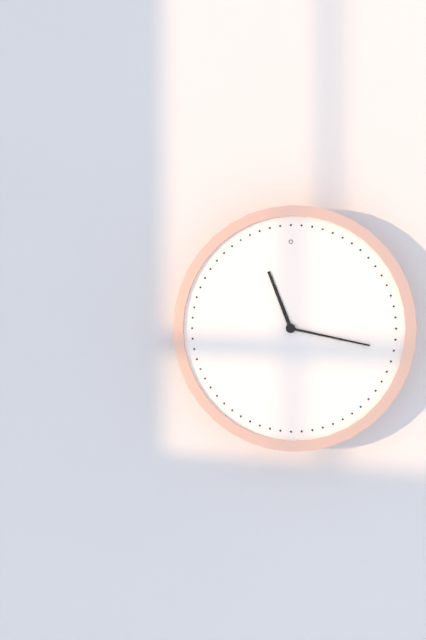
11:17
